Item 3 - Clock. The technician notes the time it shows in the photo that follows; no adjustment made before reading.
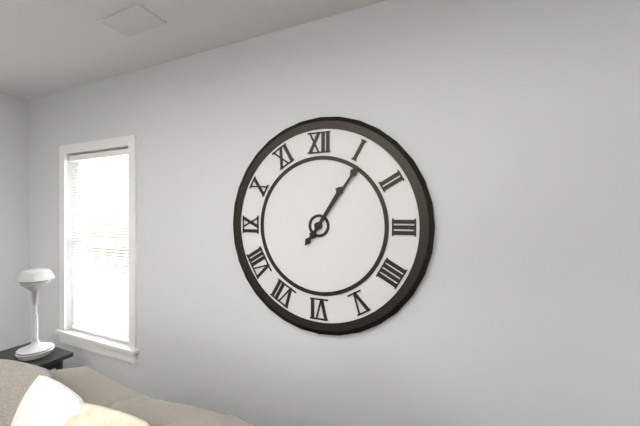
1:06
